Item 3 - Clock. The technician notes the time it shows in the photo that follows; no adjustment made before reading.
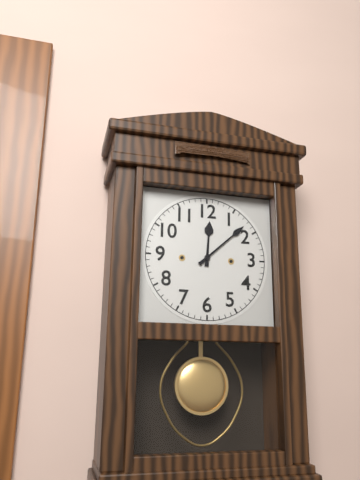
12:08
